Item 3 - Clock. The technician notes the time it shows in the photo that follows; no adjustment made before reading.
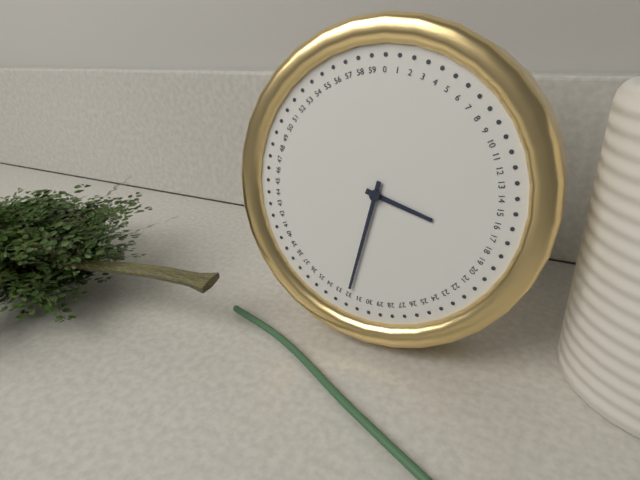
3:32
